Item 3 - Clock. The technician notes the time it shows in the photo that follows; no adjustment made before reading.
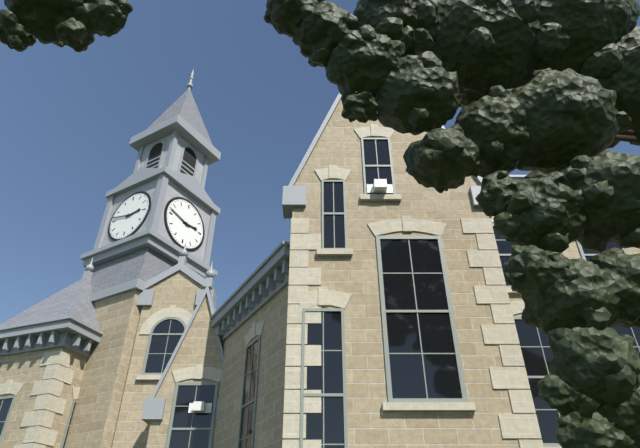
2:47
